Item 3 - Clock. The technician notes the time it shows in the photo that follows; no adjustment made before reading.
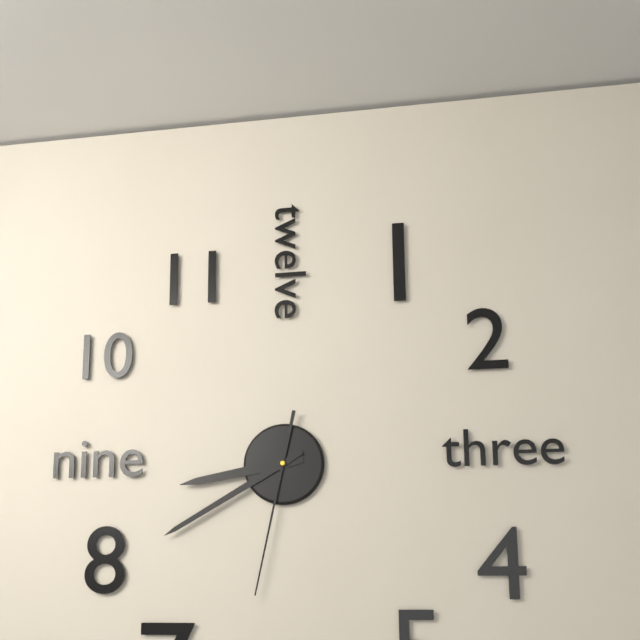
8:40:32
